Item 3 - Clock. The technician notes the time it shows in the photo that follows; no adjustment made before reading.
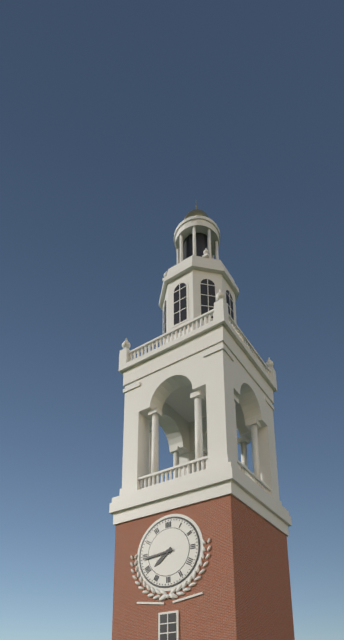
7:44
